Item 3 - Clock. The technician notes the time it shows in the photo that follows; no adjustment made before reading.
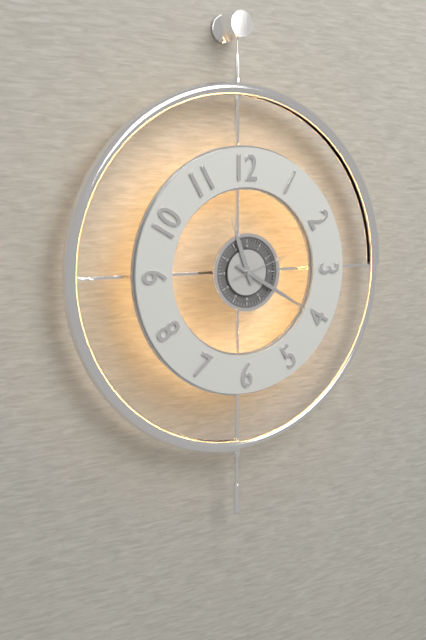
11:20:12
